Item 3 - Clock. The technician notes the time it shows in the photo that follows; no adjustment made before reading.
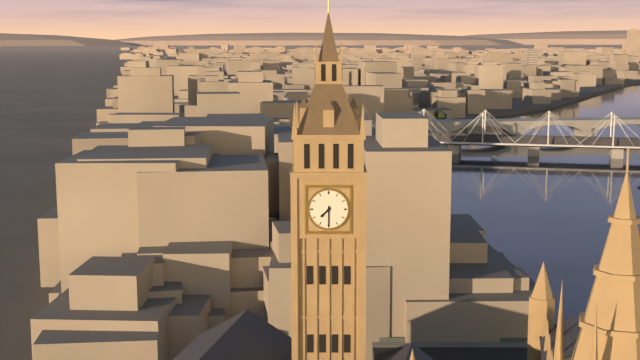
7:30
